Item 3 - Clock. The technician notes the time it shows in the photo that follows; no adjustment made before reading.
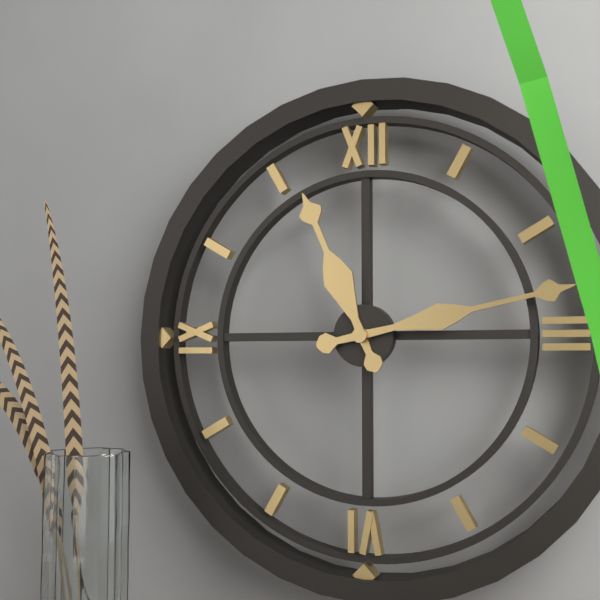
11:13
